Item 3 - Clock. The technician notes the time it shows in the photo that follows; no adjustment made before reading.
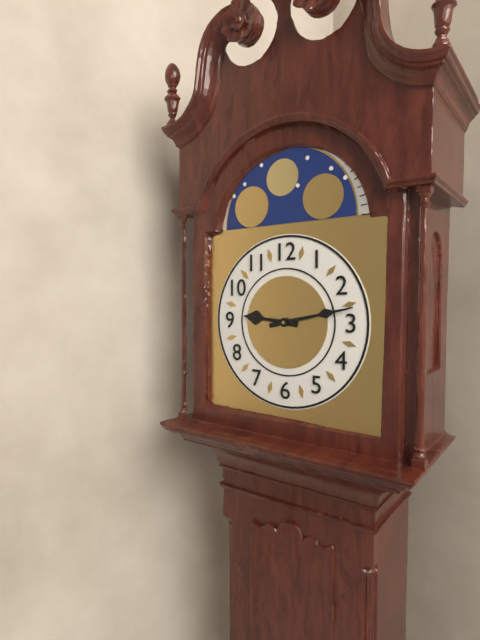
9:13
